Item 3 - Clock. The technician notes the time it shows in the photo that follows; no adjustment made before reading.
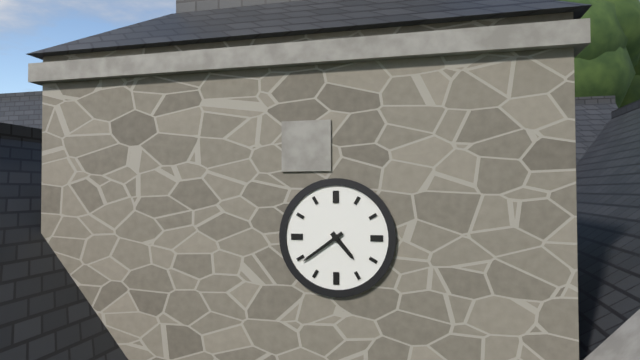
4:39
